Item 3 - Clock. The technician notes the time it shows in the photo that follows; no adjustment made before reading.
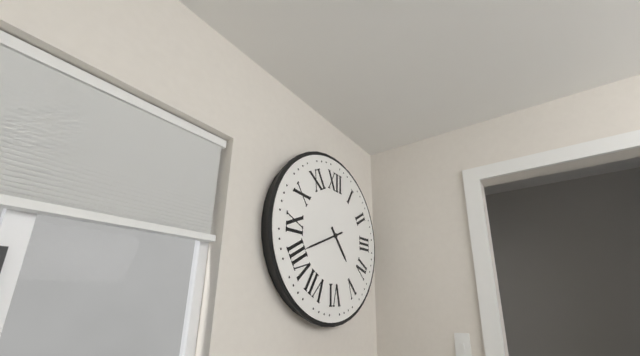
4:41
